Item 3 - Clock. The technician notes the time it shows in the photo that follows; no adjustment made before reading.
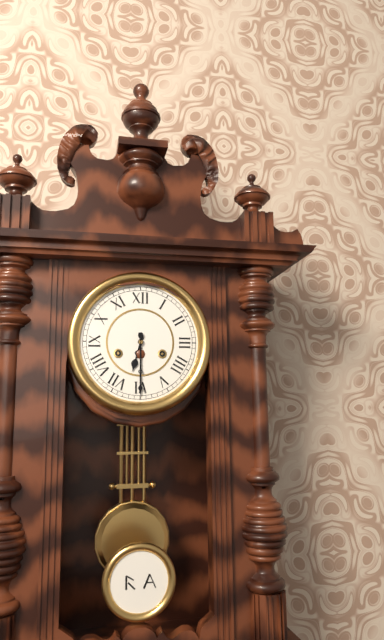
6:30
